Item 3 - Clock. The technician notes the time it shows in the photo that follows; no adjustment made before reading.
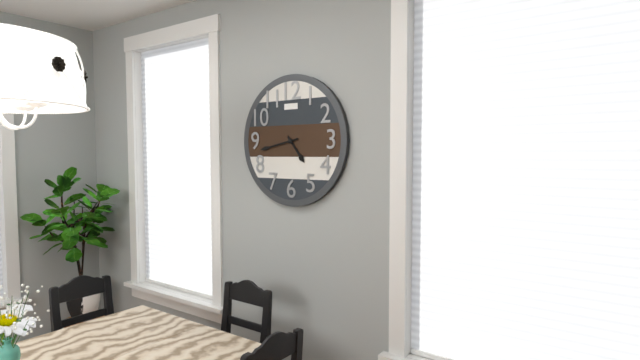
4:43
